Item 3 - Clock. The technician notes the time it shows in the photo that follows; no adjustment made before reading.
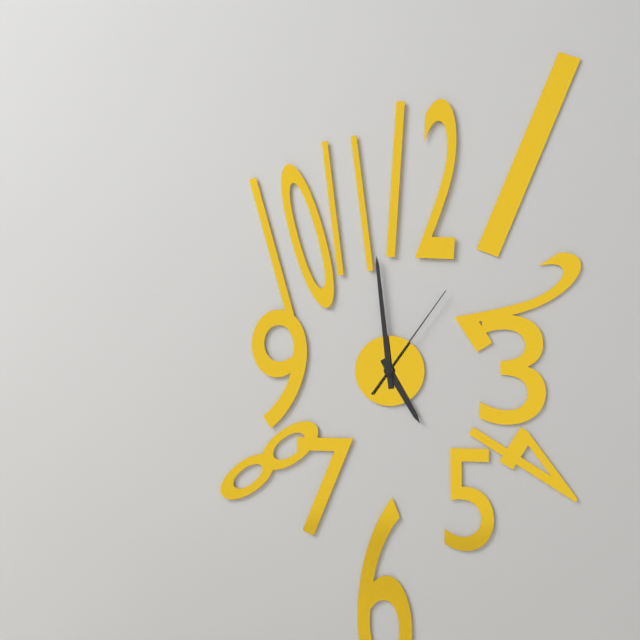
4:59:06
